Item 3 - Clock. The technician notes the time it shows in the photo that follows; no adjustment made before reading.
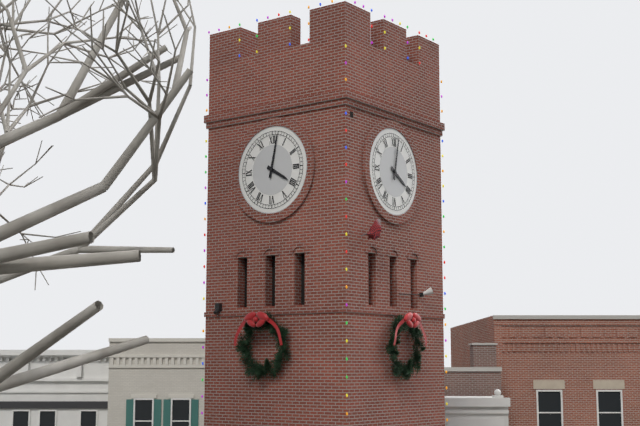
4:02
